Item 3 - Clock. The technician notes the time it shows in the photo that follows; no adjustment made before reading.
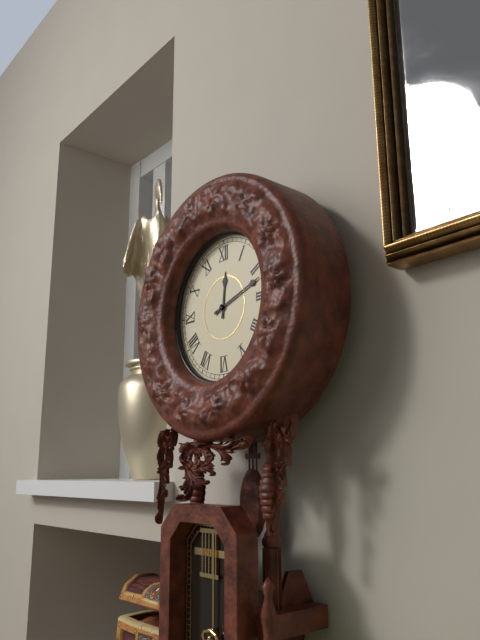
12:12
